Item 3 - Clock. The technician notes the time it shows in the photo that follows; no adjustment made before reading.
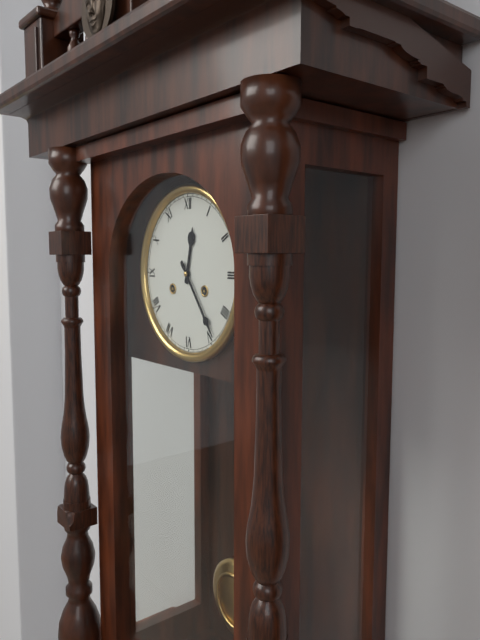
12:24
